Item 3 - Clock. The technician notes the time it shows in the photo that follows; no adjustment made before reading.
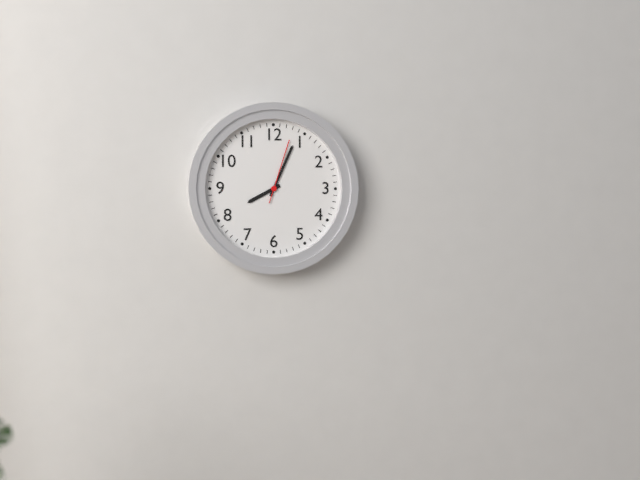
8:04:03
